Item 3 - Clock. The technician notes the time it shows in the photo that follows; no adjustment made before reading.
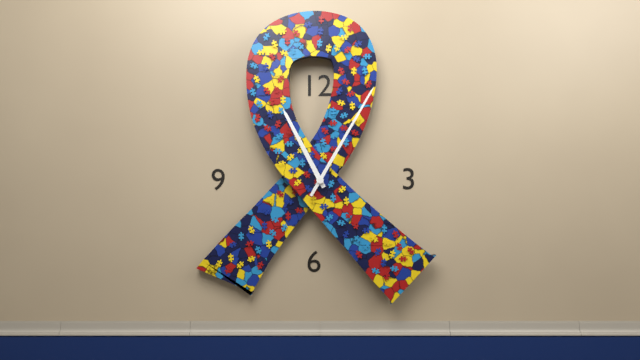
11:05
